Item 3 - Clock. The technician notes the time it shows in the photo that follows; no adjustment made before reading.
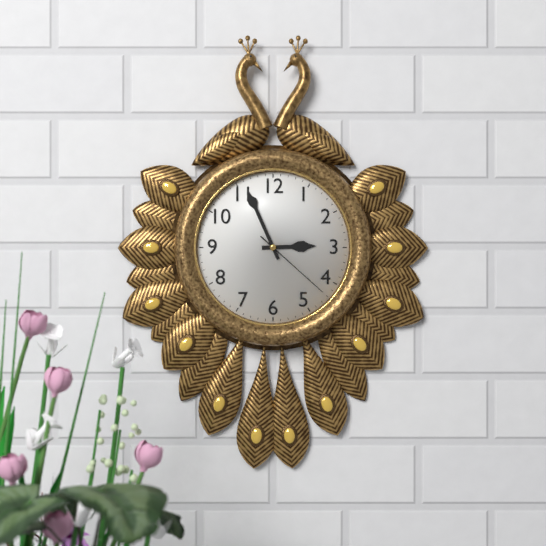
2:56:22
